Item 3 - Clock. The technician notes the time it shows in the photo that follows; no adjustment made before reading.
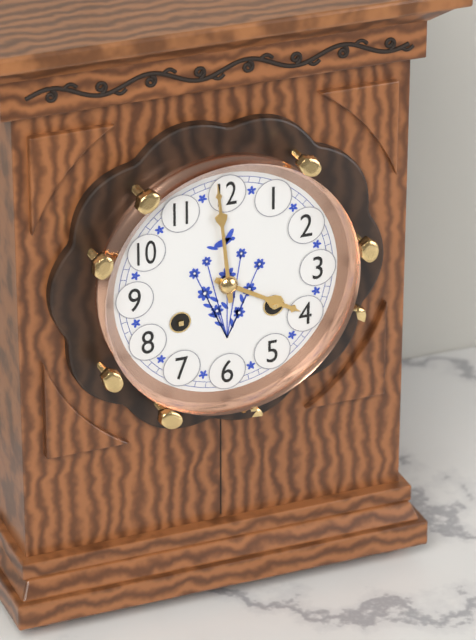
3:59
